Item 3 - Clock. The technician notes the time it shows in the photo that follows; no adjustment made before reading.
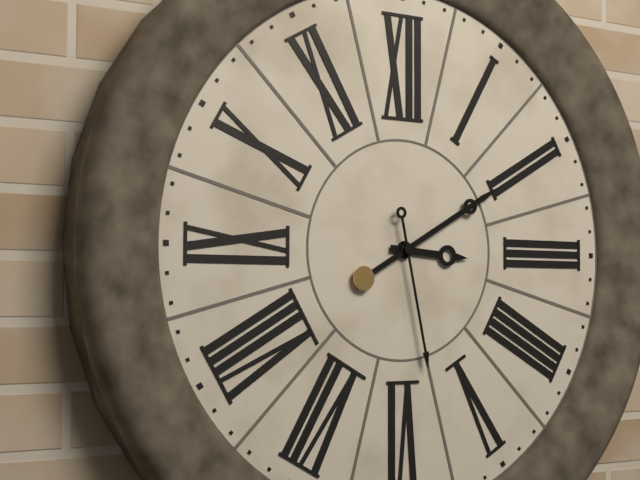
3:10:28
